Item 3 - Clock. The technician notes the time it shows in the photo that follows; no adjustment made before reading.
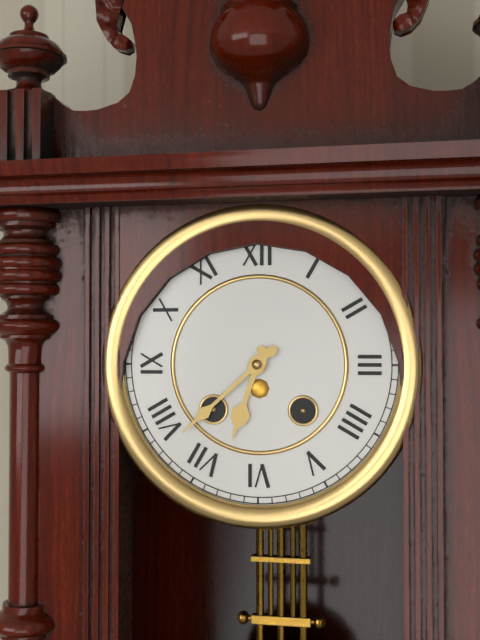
6:38
